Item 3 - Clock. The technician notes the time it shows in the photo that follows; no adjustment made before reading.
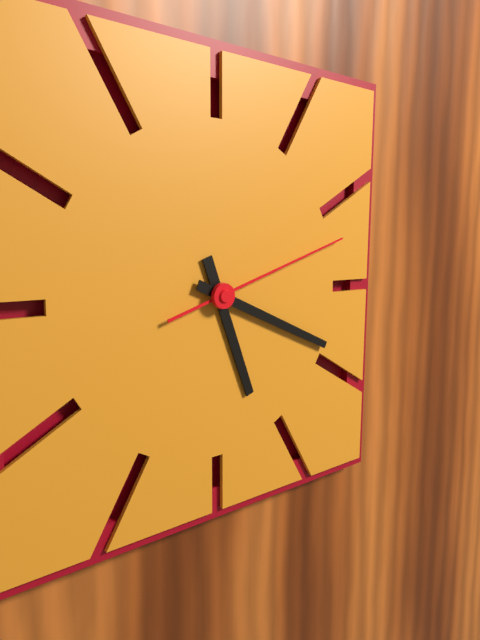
5:19:12
